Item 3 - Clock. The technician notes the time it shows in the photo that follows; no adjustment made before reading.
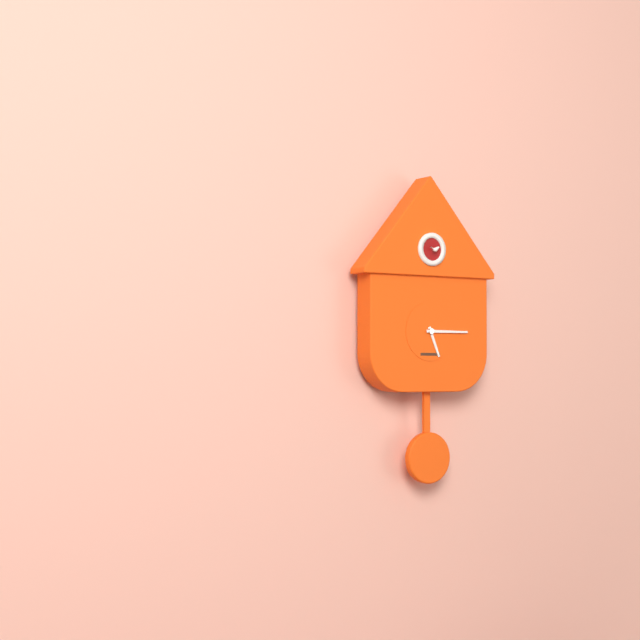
5:15
